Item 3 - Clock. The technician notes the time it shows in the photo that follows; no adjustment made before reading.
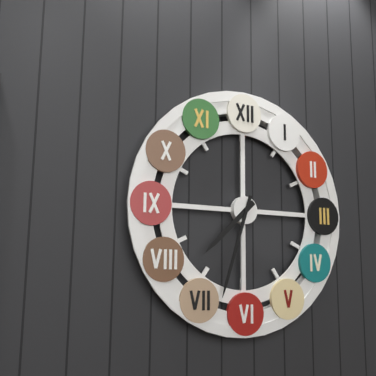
7:33
